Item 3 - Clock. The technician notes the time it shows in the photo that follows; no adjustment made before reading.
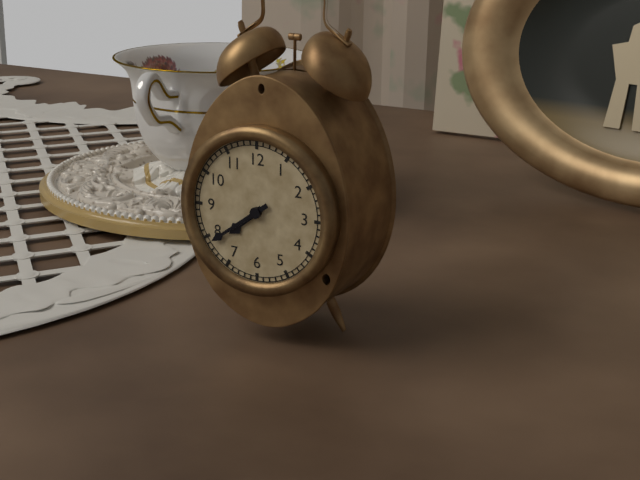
7:39
